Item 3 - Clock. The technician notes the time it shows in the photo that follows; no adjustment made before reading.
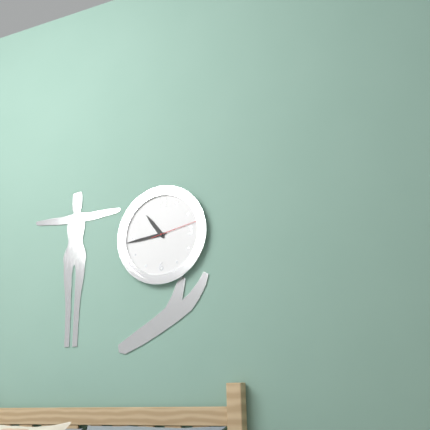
10:44:13
